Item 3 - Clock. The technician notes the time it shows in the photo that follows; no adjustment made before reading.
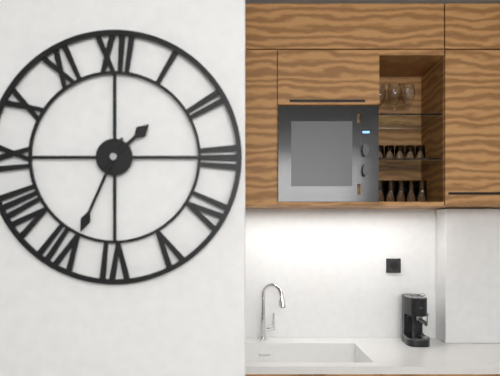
1:34
